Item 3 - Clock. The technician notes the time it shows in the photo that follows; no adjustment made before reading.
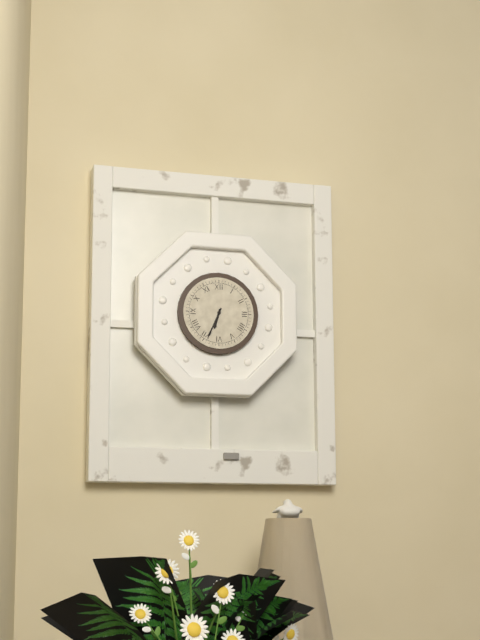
6:34
